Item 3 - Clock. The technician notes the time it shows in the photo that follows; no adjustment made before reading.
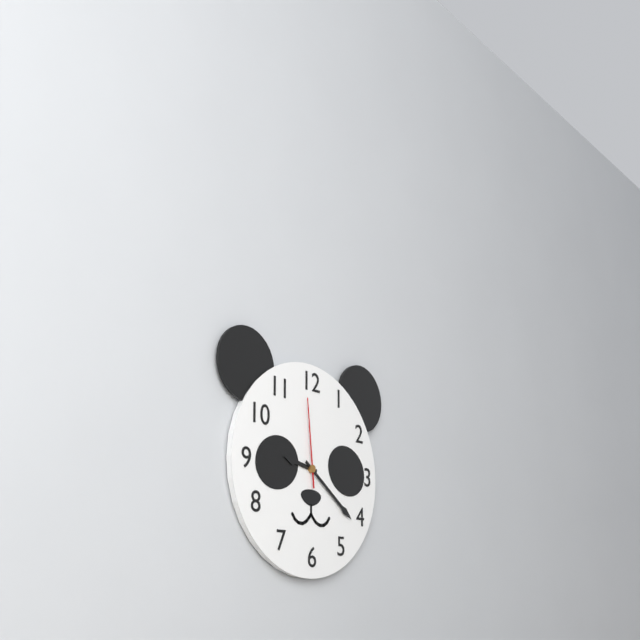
9:21:59
